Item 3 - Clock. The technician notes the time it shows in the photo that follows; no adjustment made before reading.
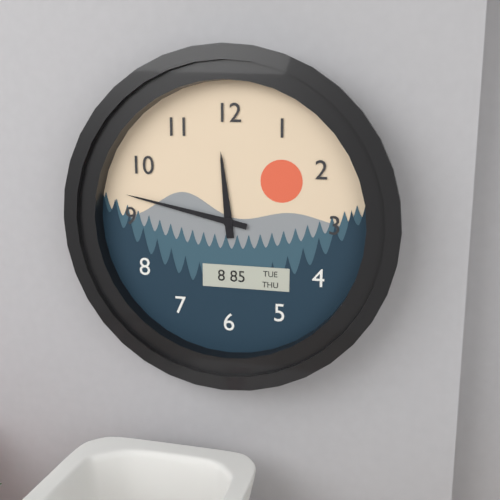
11:47
